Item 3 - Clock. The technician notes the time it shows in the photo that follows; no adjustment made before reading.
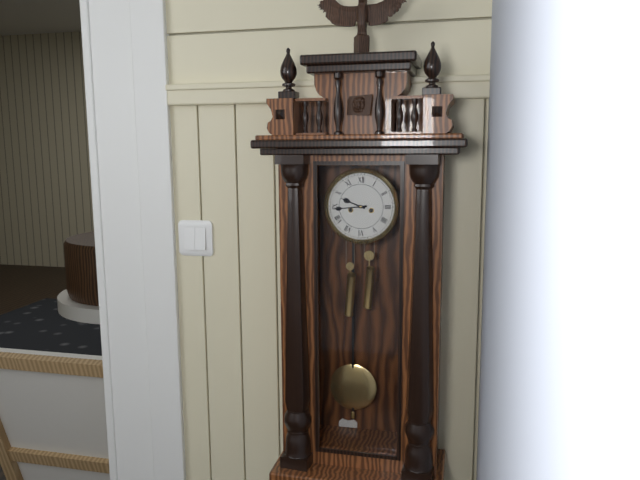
9:44
